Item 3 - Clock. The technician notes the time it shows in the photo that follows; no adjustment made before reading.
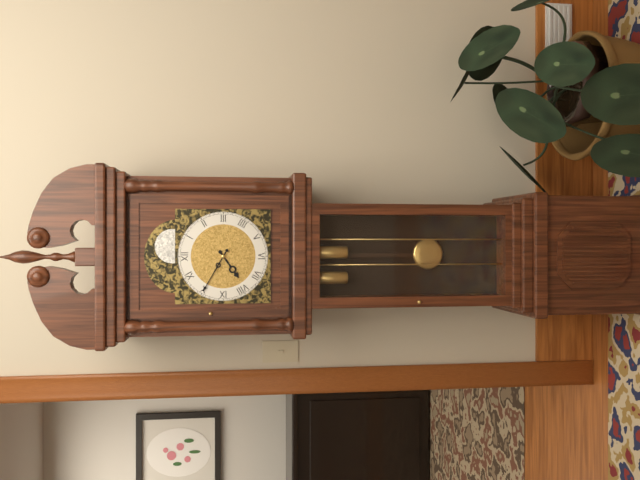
7:50
